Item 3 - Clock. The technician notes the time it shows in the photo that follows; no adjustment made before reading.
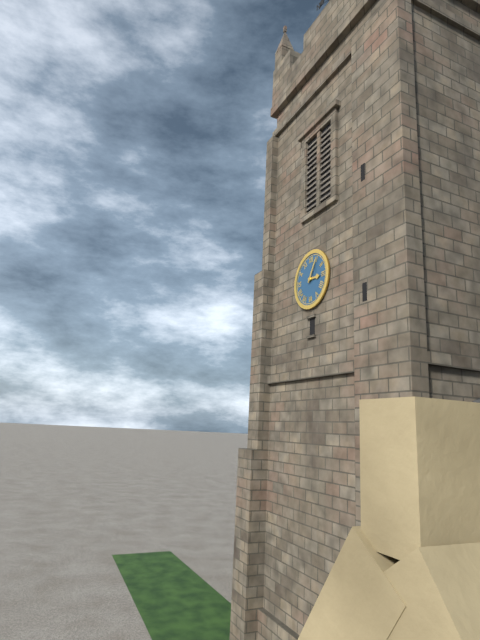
3:05
